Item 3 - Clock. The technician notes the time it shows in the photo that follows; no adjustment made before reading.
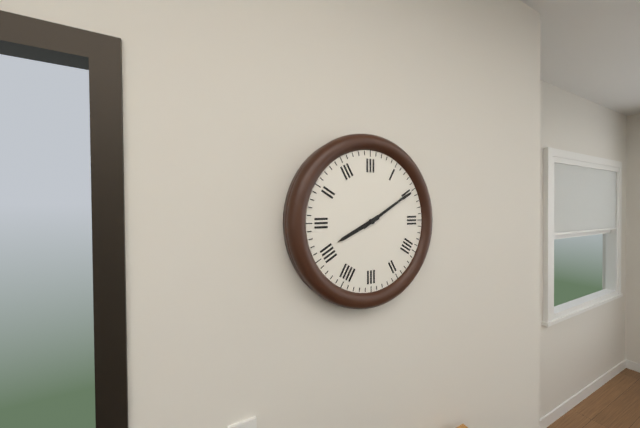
8:10
